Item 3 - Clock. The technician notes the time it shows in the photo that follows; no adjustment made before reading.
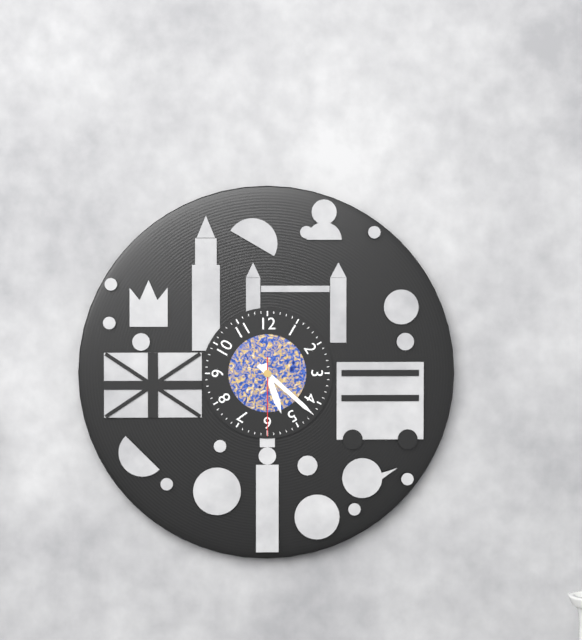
5:22:30
